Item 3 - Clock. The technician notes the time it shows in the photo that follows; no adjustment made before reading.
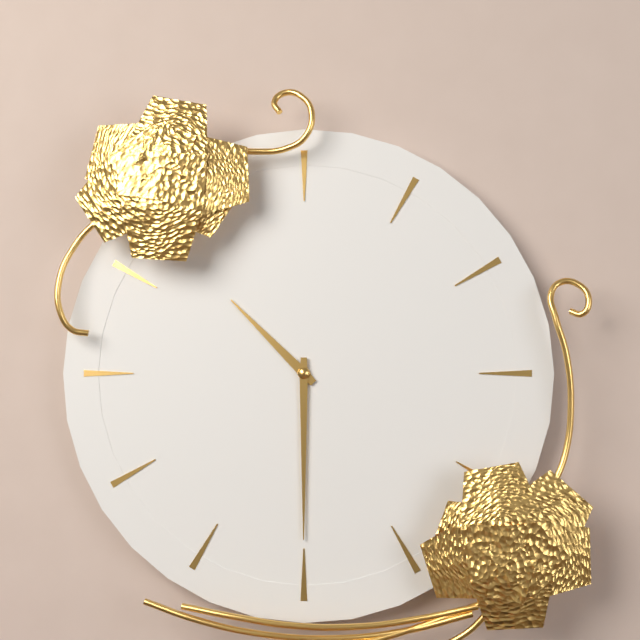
10:30
